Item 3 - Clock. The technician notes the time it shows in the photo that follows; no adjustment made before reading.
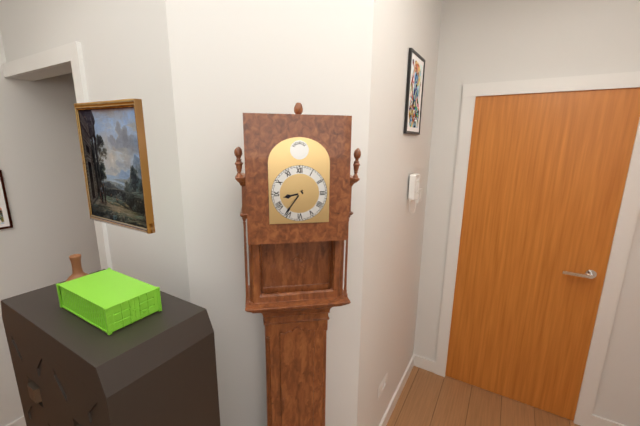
8:36
